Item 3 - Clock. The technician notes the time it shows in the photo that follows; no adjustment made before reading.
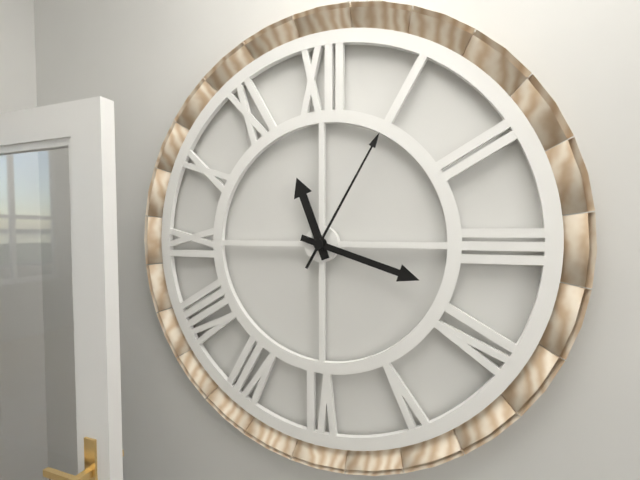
11:18:05
